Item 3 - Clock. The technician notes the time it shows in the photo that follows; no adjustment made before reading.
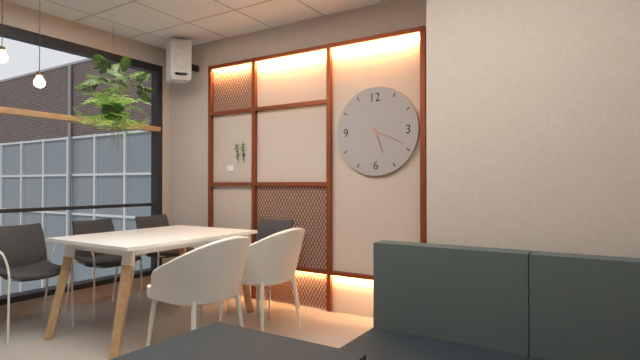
5:19
